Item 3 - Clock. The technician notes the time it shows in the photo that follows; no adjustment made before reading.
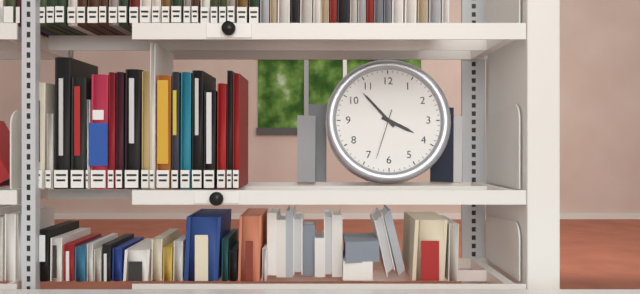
3:53
